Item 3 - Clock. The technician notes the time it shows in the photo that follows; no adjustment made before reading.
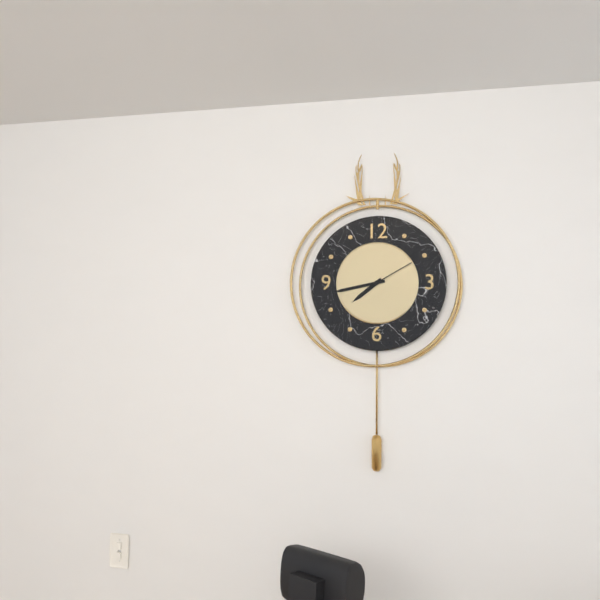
7:43:10
